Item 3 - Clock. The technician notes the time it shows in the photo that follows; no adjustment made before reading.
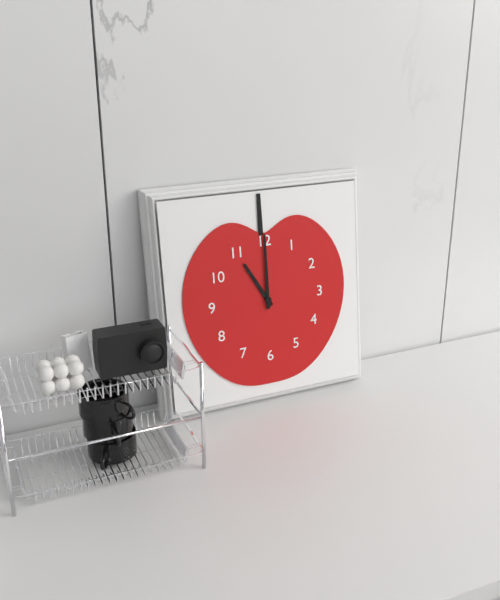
11:00
